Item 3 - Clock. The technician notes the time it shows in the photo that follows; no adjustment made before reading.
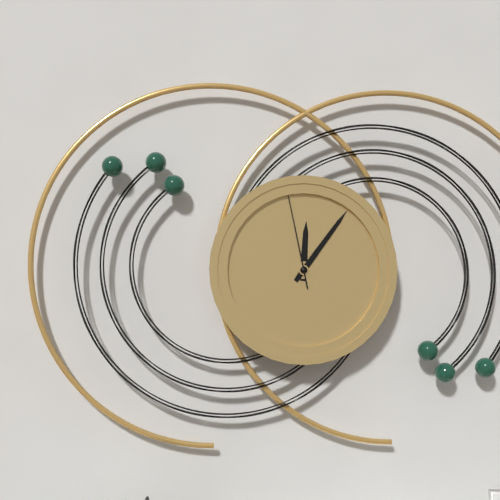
12:06:58
